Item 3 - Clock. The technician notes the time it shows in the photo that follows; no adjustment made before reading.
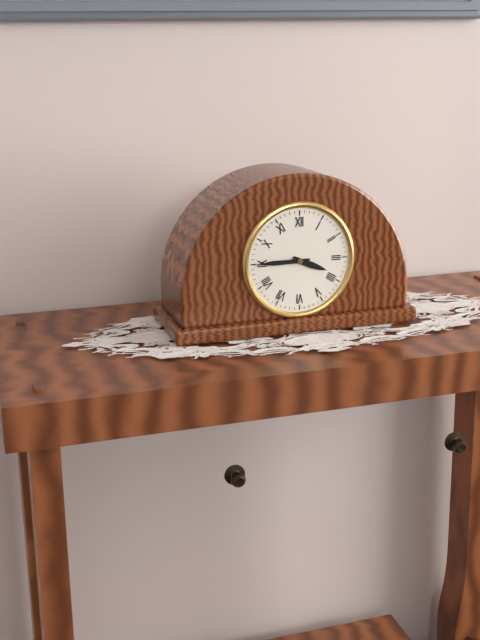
3:45
